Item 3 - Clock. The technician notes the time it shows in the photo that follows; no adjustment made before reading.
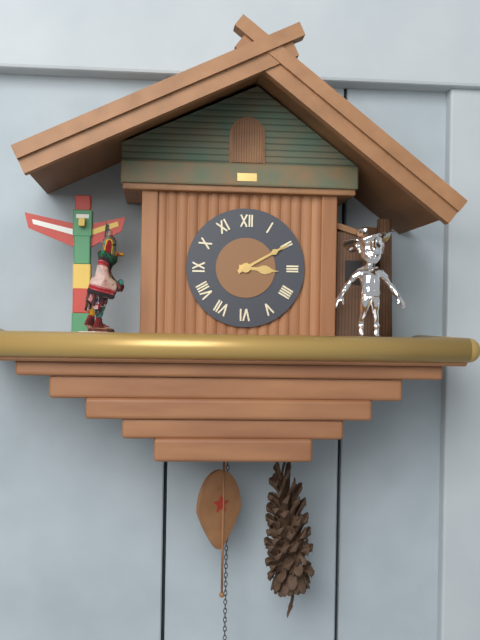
3:10
